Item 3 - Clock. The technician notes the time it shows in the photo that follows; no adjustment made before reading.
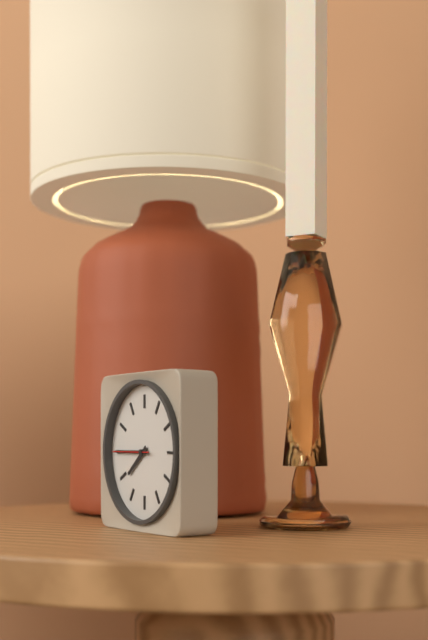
7:45
